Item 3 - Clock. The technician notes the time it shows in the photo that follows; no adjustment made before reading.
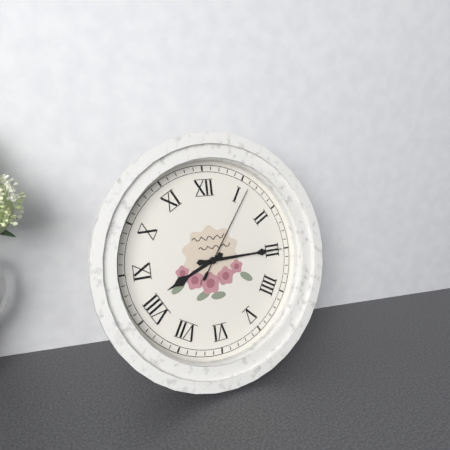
8:15:06
